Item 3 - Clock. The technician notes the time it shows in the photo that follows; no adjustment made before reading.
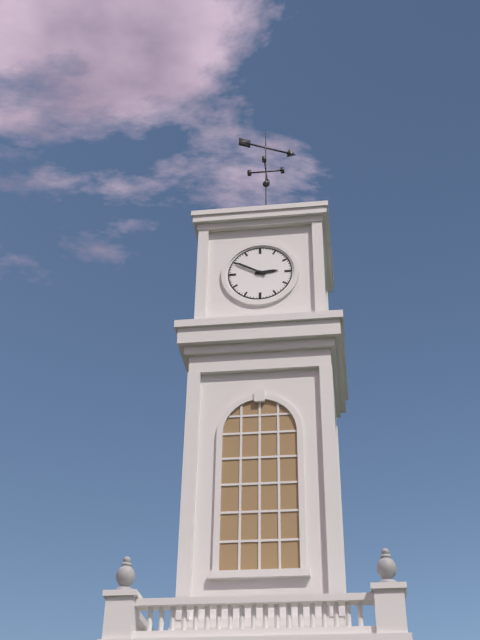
2:50
